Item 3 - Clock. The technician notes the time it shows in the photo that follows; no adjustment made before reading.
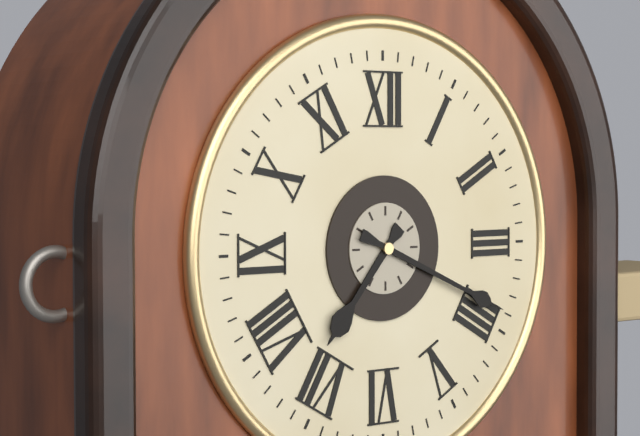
7:19
